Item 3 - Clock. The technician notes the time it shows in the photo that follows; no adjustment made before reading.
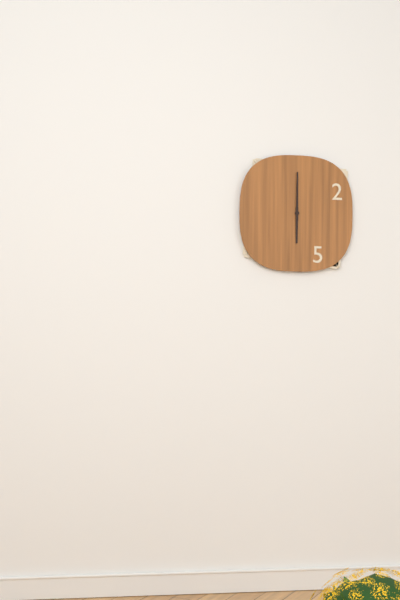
6:00
